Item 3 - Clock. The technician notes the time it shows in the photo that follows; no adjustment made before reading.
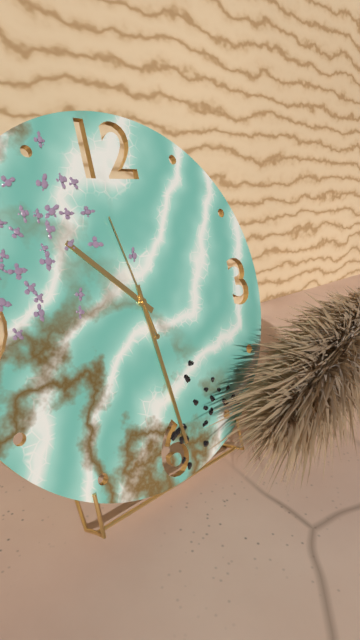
10:29:58
